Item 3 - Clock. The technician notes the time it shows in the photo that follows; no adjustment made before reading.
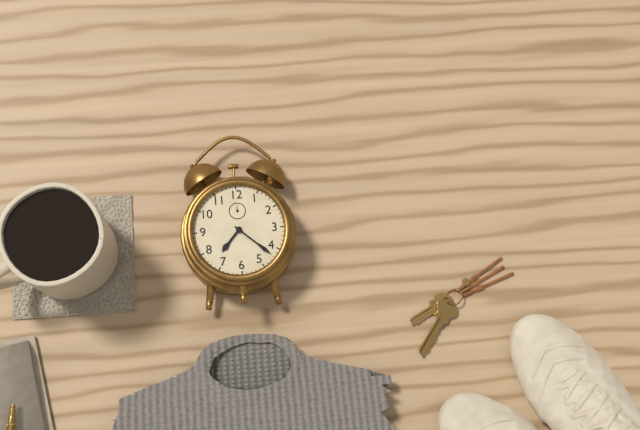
7:22
